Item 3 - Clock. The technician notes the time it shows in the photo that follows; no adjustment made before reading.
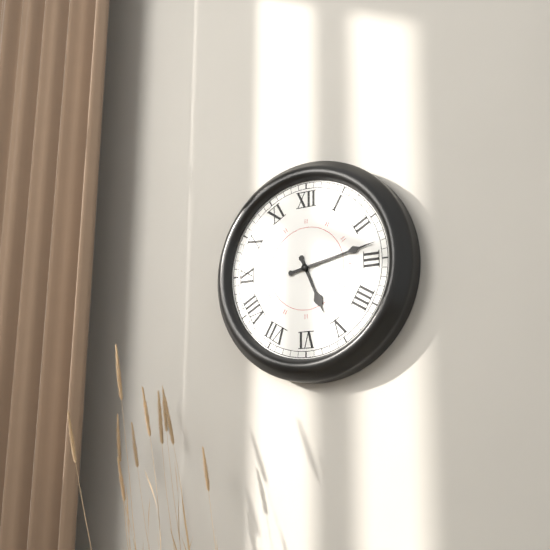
5:13
